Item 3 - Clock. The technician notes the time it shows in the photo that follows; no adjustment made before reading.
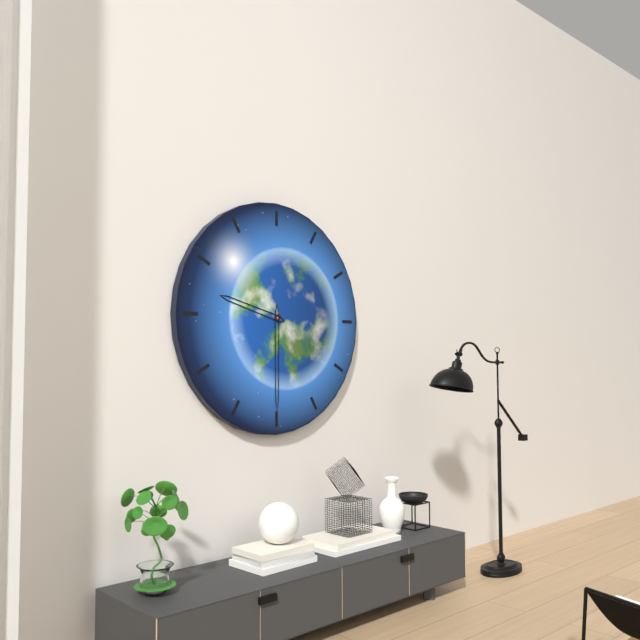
9:30
